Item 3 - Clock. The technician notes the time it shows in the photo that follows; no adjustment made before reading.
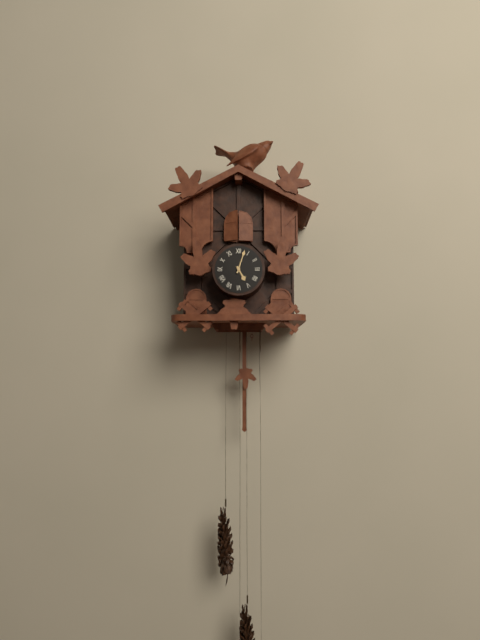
5:03
